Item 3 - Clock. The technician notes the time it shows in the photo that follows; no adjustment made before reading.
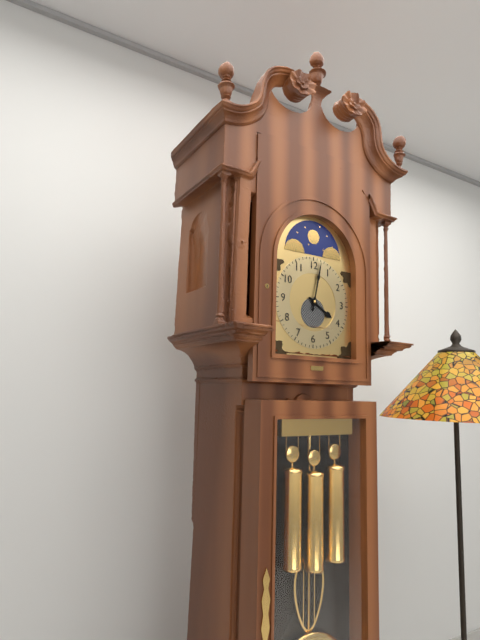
4:02
